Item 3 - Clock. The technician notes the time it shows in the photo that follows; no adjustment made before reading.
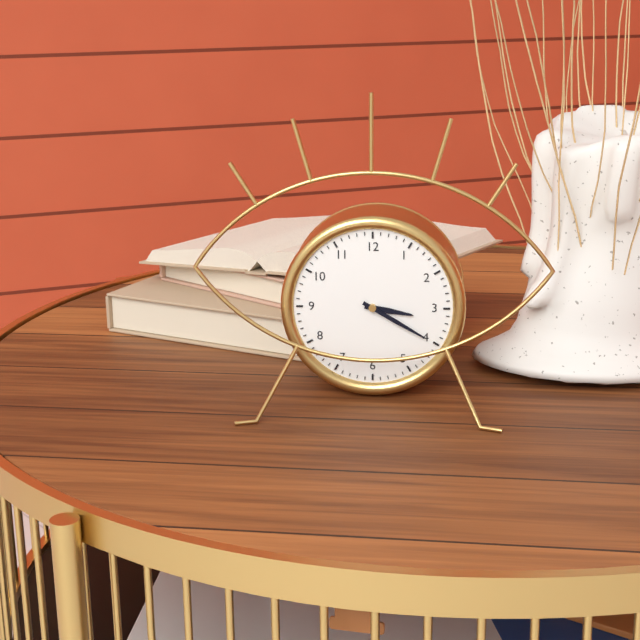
3:20
